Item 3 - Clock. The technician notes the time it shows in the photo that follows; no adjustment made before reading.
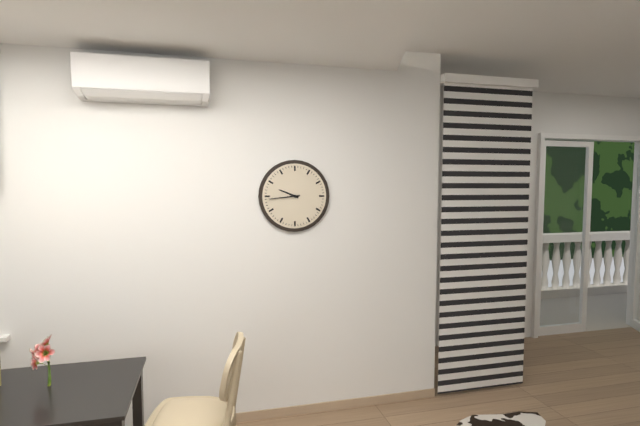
9:44
